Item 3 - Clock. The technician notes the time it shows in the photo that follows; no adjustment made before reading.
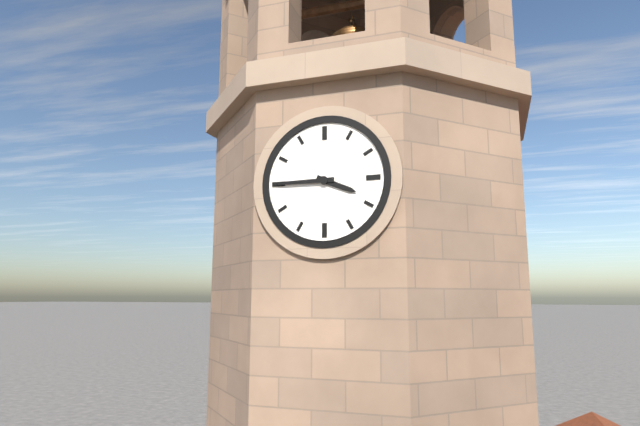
3:45
